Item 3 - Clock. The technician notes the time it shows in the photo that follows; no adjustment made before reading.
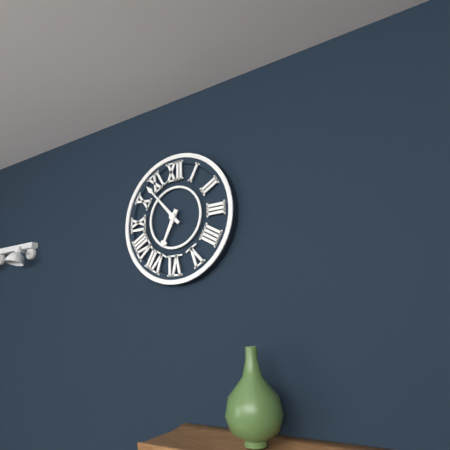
6:53
